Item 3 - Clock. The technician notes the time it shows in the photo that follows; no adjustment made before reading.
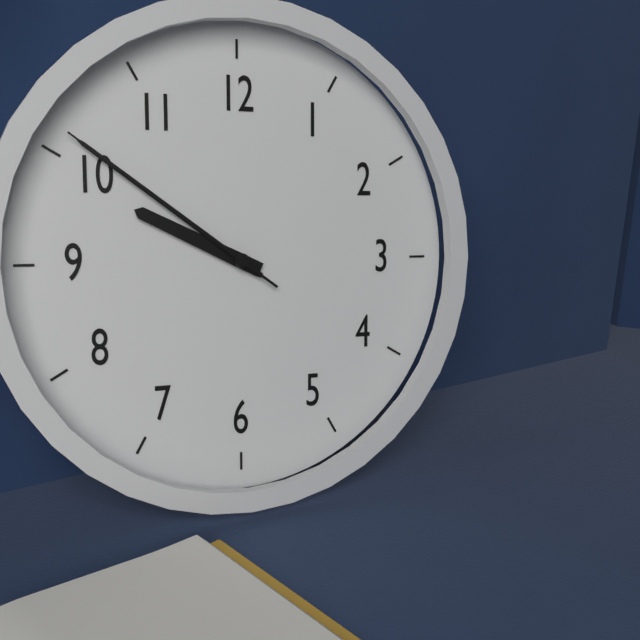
9:51:51
